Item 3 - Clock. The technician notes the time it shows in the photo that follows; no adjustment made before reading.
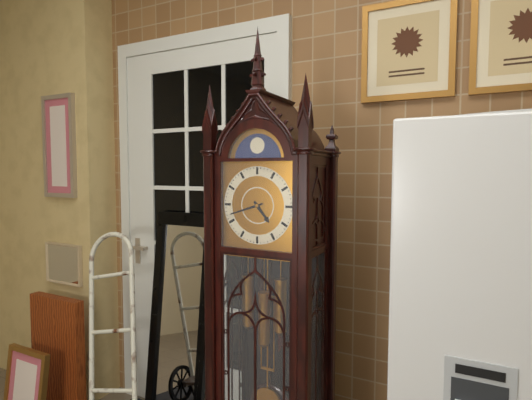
4:42
